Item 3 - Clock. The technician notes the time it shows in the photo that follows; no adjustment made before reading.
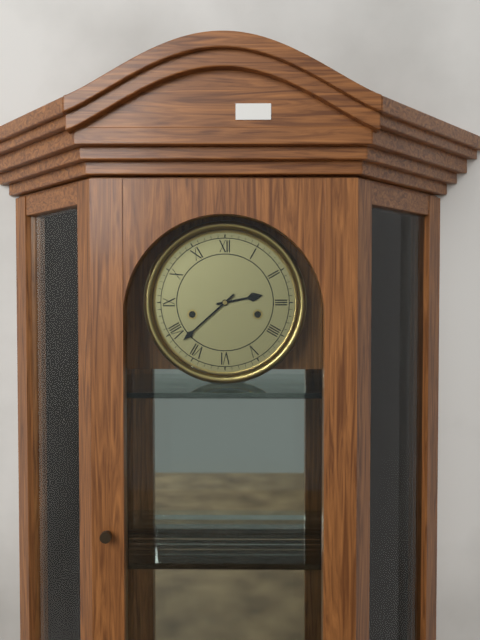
2:38
